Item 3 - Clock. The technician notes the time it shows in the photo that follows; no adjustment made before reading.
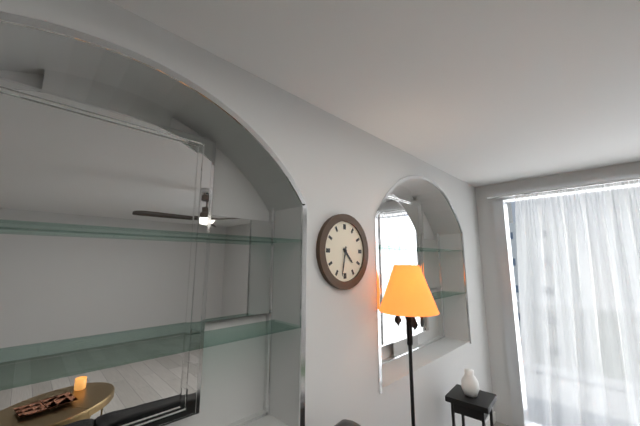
4:32
